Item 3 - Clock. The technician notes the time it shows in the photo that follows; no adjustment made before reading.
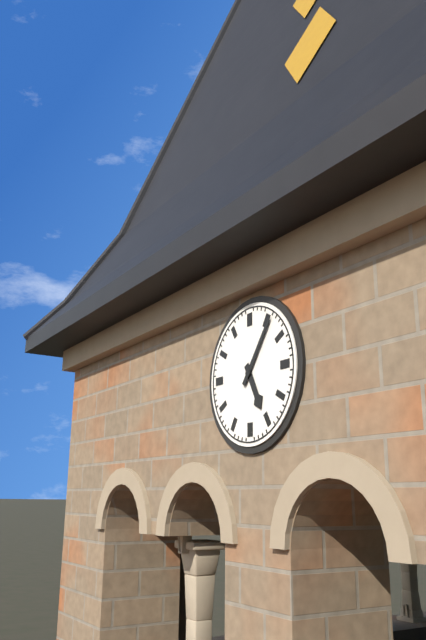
5:06
